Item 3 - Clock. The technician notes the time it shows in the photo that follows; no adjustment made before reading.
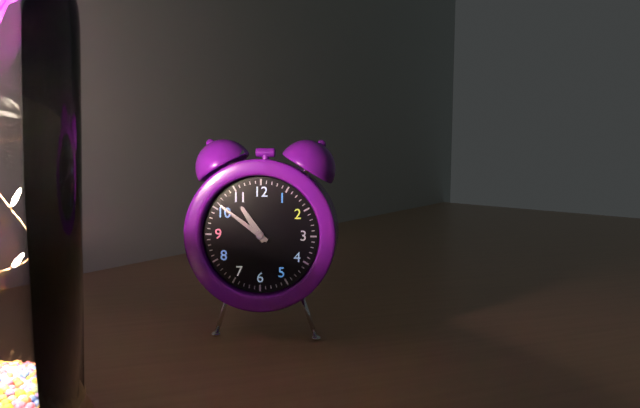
10:51
